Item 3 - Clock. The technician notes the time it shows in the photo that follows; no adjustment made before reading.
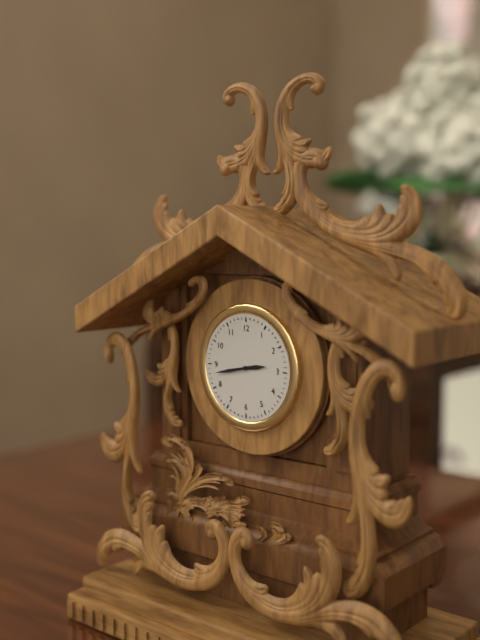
2:43
